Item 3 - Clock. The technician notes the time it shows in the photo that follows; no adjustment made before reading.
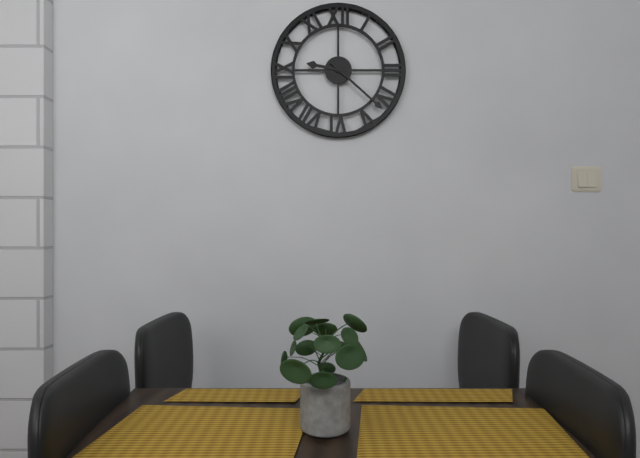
9:22
